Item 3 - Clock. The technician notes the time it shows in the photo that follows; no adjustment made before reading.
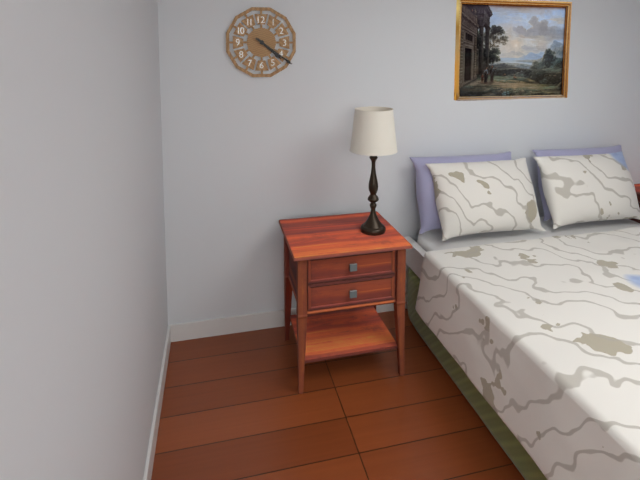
4:21
